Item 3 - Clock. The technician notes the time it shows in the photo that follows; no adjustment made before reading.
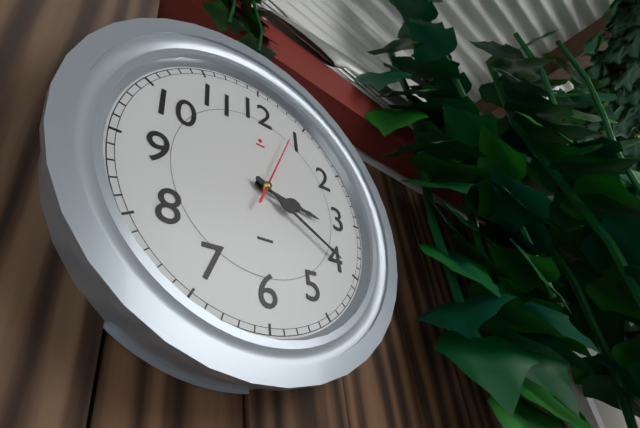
3:20:04
